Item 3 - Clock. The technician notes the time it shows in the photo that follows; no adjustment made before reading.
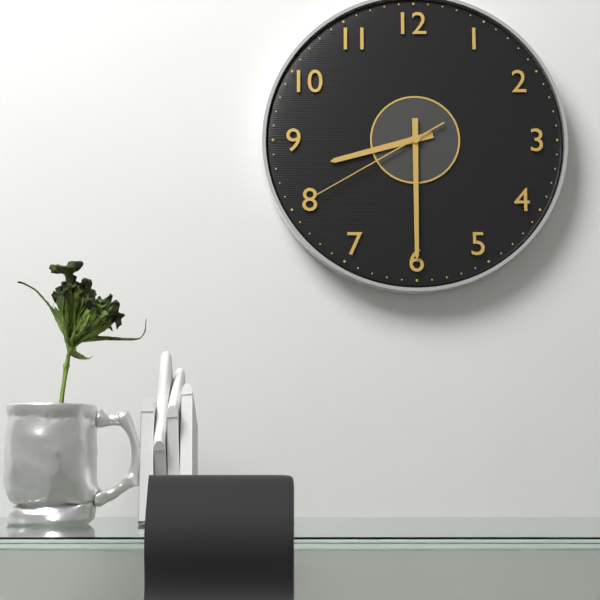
8:30:40
